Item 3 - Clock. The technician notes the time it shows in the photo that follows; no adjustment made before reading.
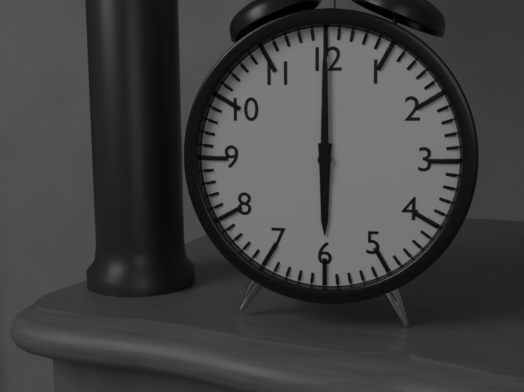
6:00
